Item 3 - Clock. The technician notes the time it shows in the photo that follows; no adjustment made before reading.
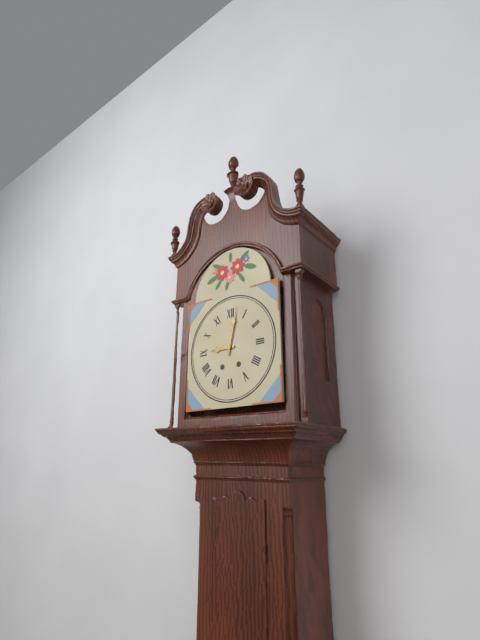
9:02
